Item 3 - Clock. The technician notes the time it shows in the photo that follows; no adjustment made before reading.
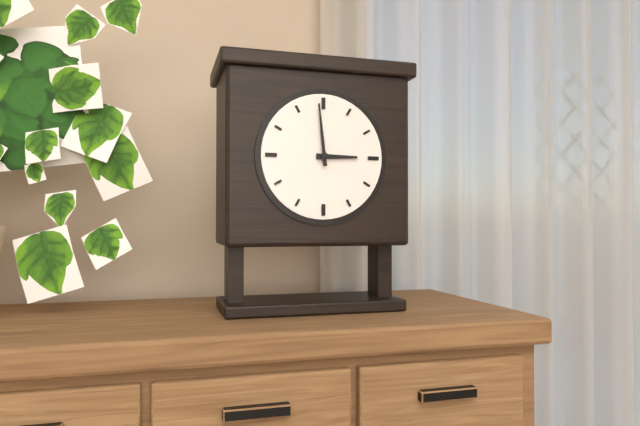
2:59
